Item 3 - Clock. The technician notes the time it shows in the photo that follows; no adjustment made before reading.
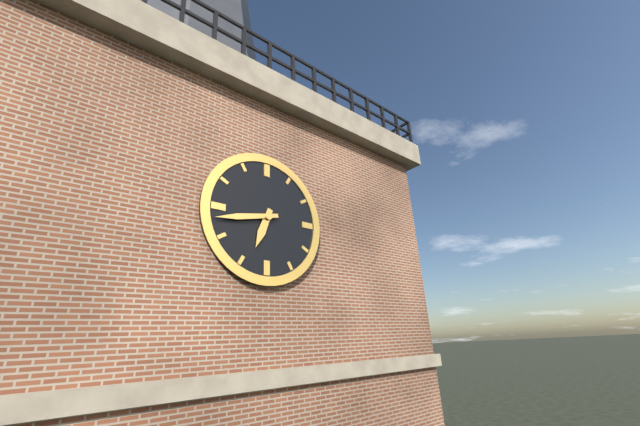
6:43
